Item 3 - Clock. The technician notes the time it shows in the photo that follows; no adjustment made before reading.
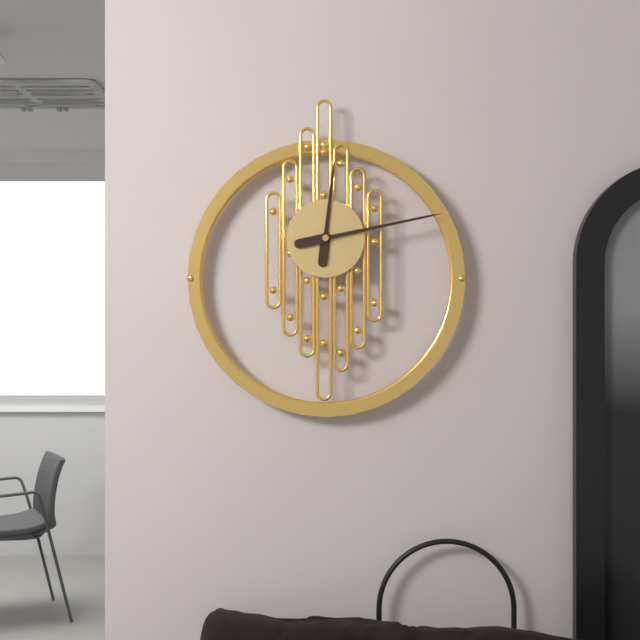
12:13
